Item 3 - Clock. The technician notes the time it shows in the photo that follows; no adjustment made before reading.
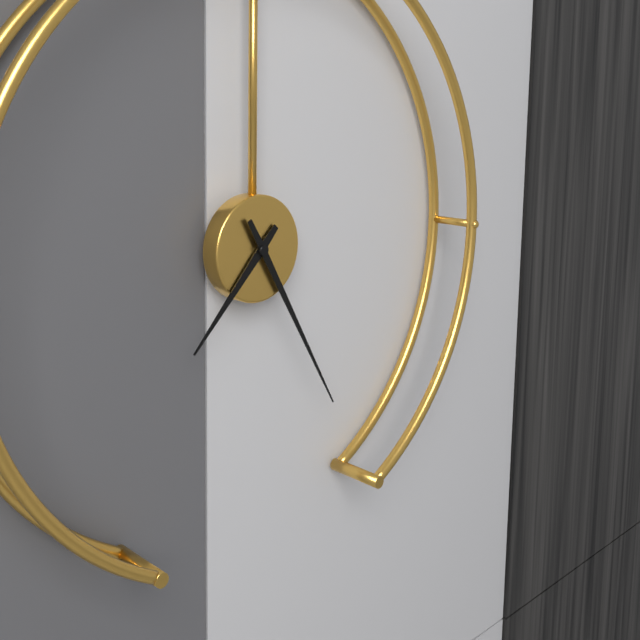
7:25
